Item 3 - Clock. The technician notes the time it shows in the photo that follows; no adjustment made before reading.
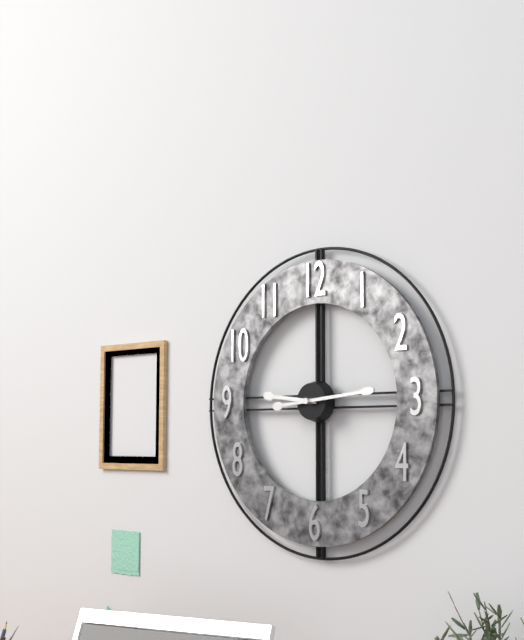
9:14
